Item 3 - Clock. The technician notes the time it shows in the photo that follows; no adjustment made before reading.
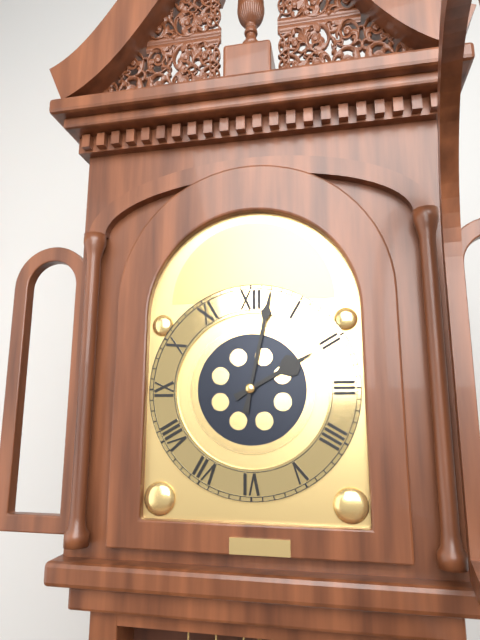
2:02
